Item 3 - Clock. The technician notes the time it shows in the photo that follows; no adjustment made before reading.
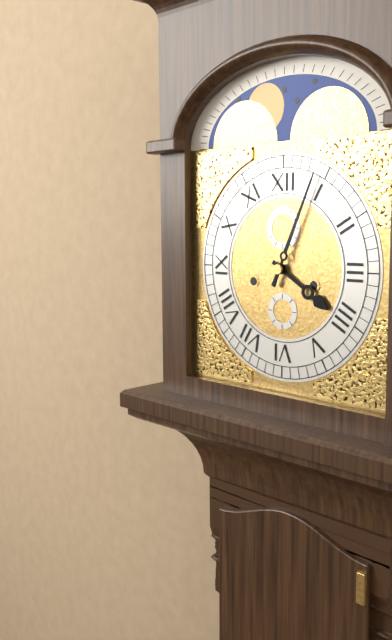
4:04
